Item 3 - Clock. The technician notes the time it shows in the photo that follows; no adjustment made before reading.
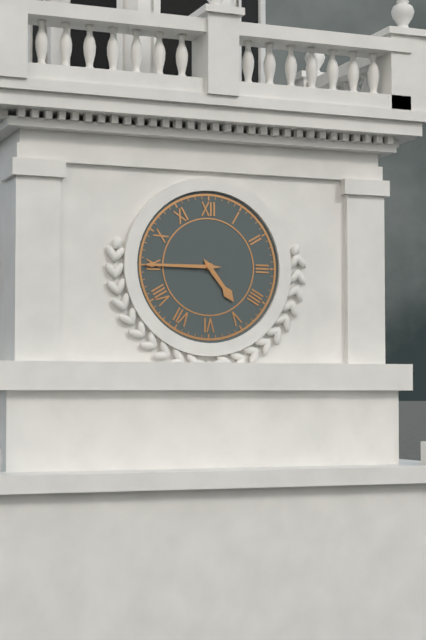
4:45
